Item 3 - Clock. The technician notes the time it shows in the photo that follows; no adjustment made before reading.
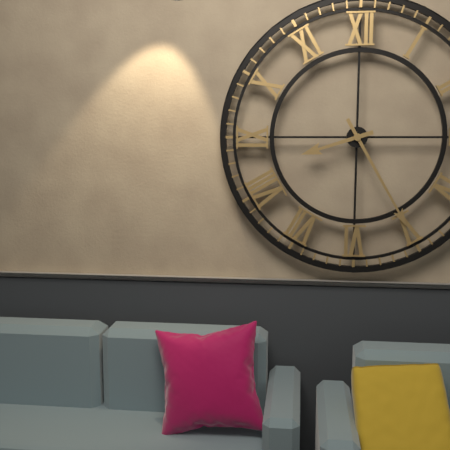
8:25
